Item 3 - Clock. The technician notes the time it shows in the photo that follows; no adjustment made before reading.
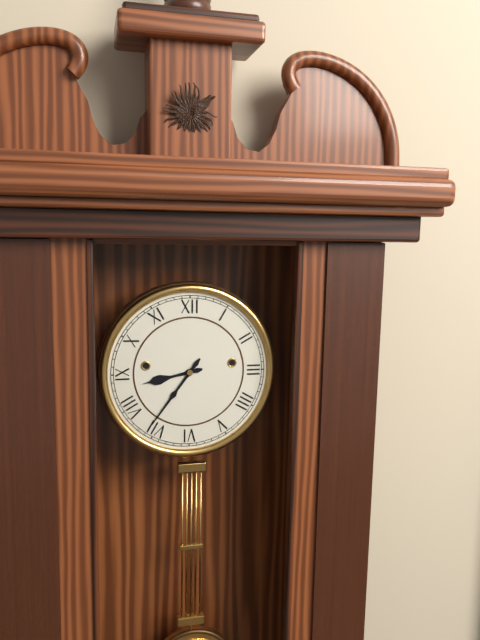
8:36
